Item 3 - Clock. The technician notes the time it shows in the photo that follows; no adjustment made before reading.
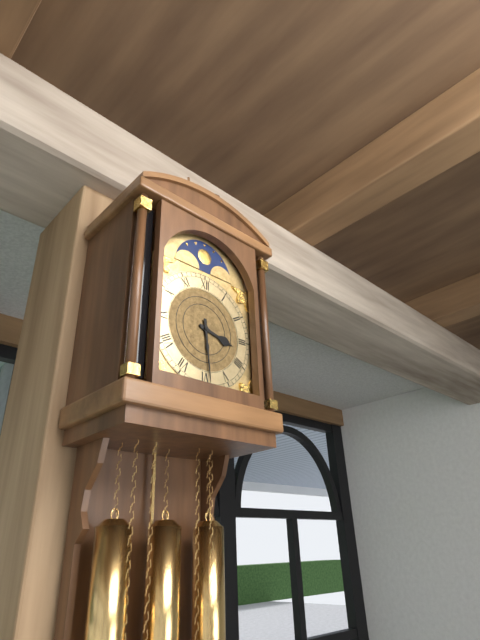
3:29
